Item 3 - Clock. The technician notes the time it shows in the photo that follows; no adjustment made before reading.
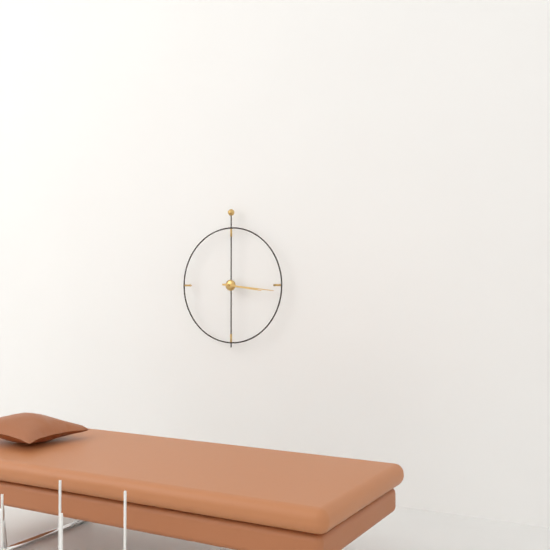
3:16
